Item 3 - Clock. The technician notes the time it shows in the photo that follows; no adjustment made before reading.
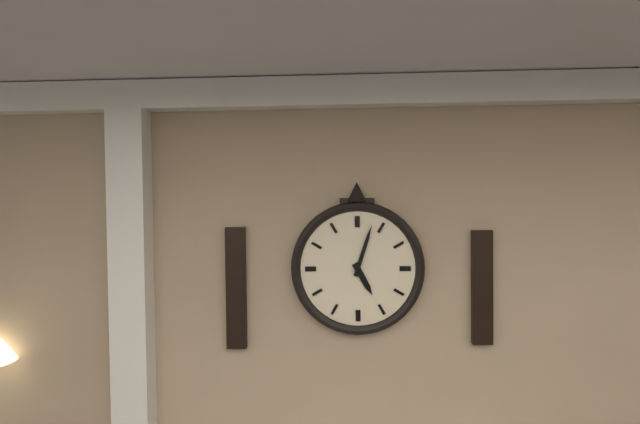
5:03
